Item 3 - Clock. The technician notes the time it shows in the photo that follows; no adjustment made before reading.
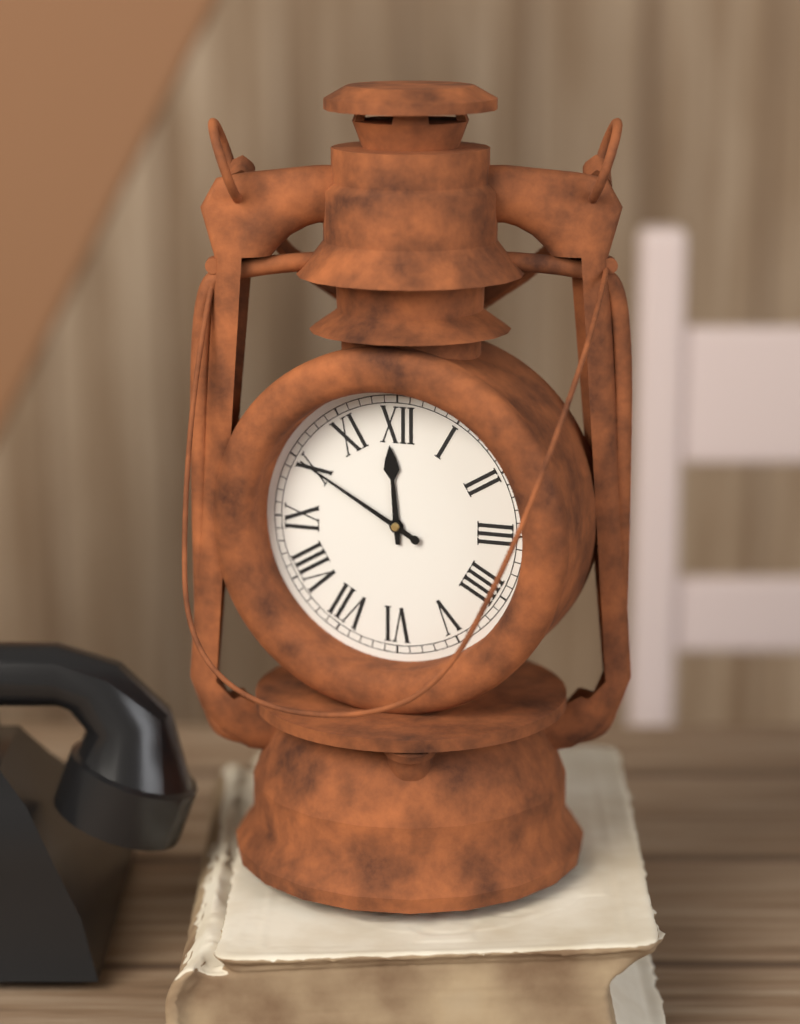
11:50
